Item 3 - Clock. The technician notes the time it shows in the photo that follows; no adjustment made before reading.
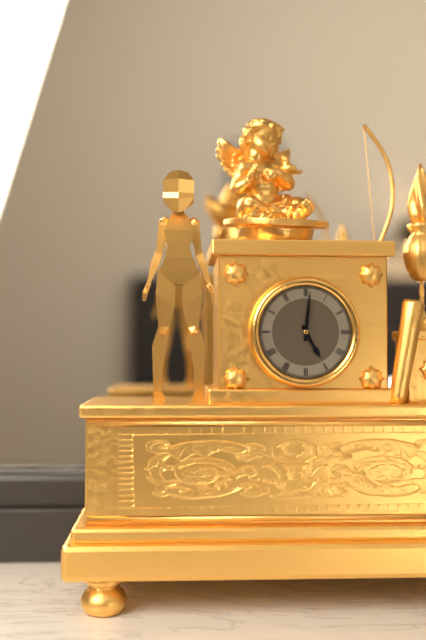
5:01
